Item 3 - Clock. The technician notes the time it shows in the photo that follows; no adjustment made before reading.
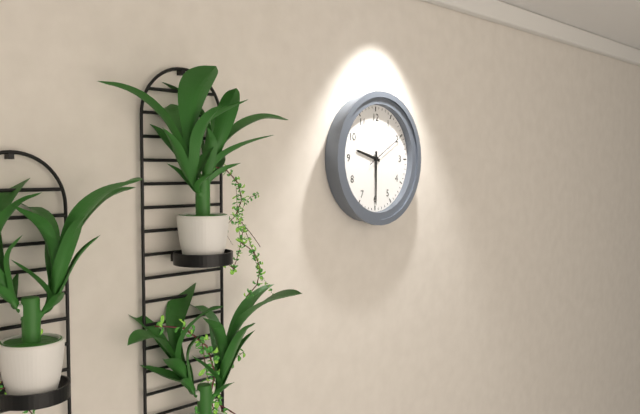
9:30
